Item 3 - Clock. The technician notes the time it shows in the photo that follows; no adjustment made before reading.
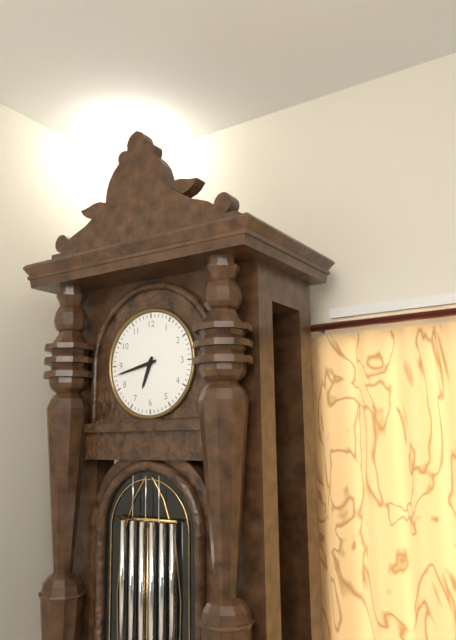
6:43
